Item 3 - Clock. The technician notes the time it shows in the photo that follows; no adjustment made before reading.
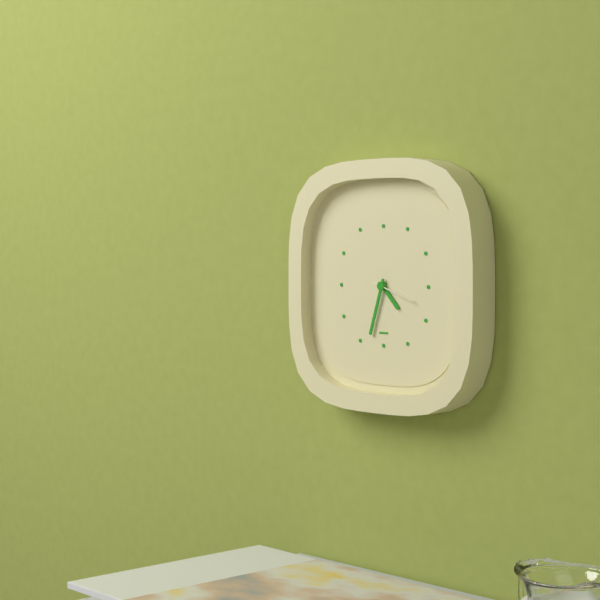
4:33
